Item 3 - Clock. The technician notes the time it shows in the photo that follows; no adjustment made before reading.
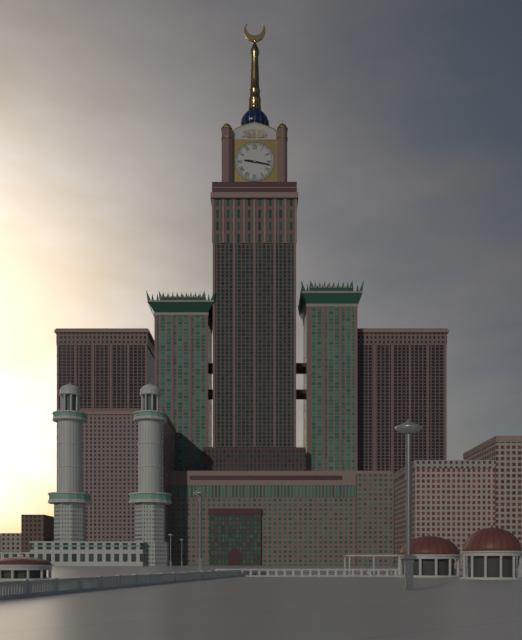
9:17
